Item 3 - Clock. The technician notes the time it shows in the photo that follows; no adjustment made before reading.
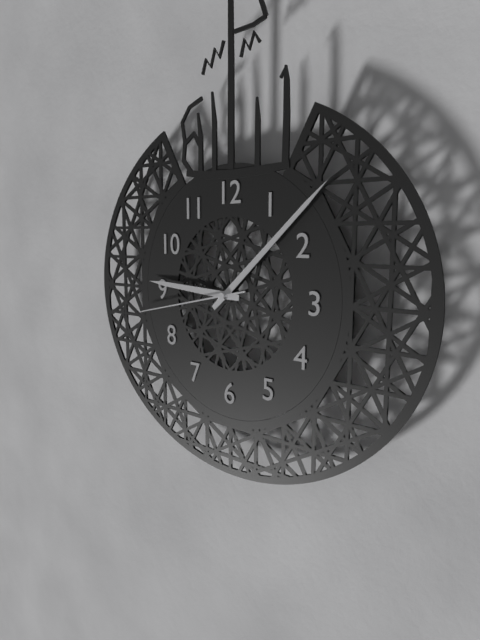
9:08:43
